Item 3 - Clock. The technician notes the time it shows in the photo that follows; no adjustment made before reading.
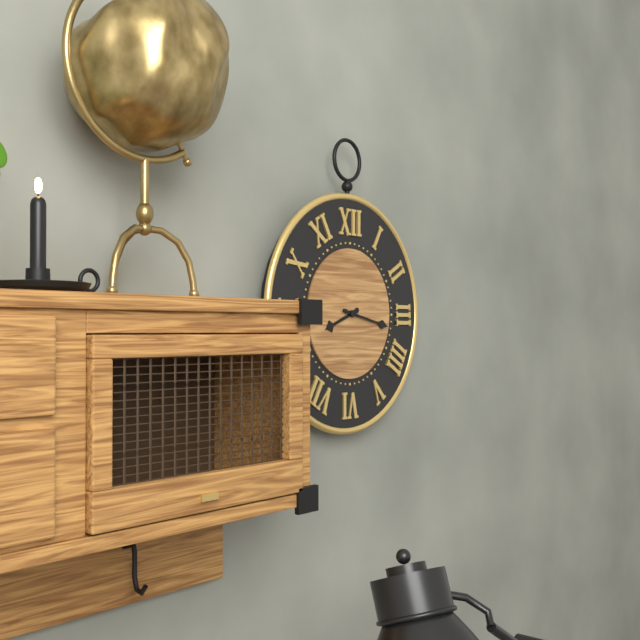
8:17
